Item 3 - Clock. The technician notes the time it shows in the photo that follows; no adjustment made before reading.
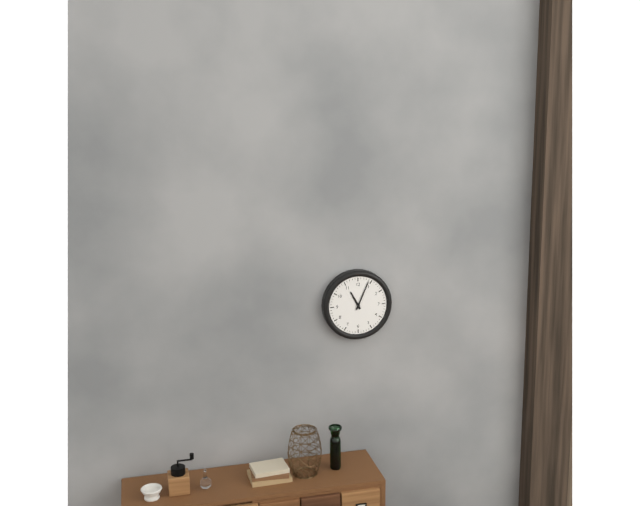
11:04
